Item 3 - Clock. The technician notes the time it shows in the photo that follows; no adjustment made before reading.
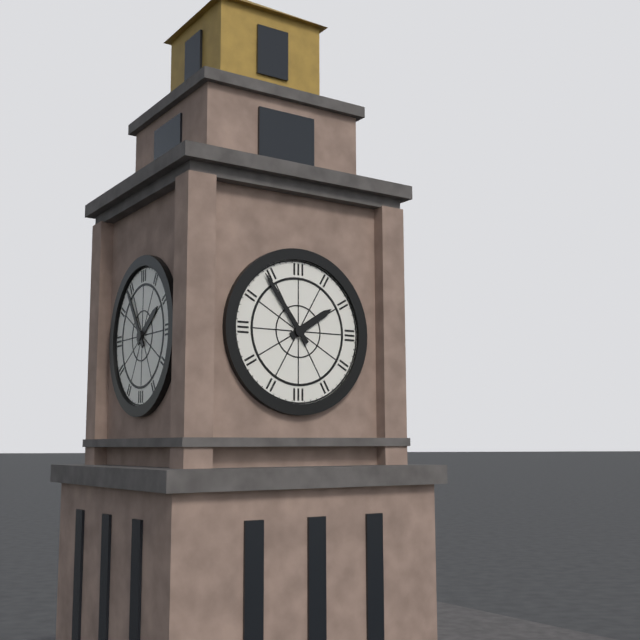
1:54
